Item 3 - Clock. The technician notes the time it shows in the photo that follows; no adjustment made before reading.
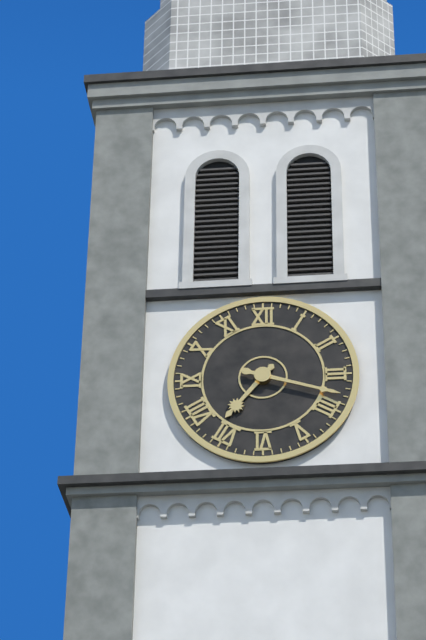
7:18
